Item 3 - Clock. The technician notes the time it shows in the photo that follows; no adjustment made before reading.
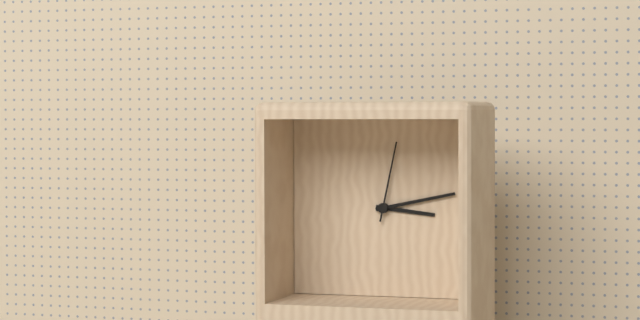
3:13:02
